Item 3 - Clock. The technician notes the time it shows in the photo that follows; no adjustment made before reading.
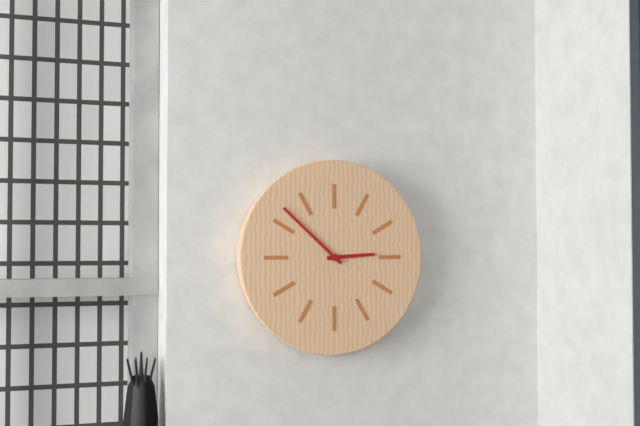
2:52
